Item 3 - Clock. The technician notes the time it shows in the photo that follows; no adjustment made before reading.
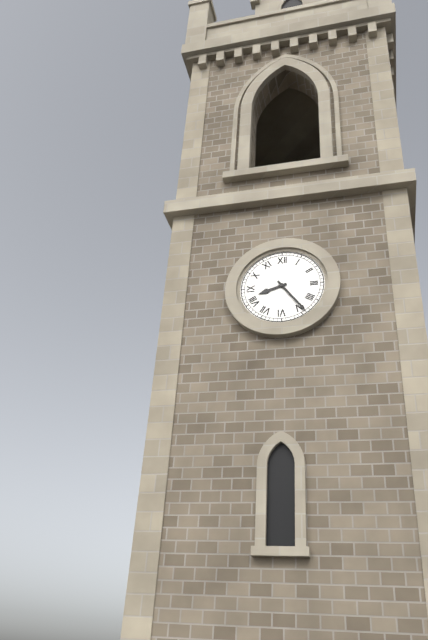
8:24
